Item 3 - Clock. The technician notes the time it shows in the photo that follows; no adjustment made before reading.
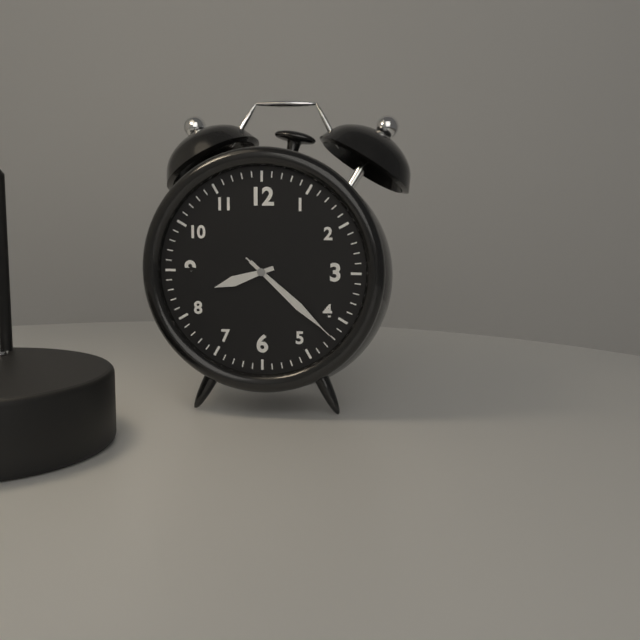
8:22:22
